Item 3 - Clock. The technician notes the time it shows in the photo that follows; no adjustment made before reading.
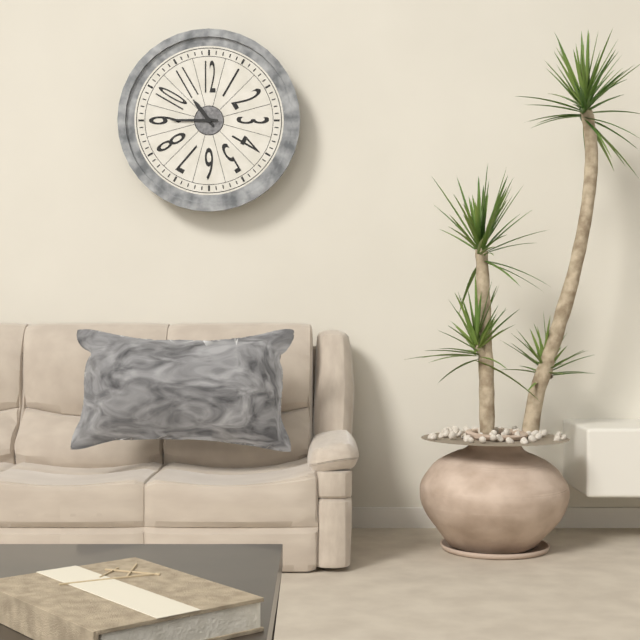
10:45
